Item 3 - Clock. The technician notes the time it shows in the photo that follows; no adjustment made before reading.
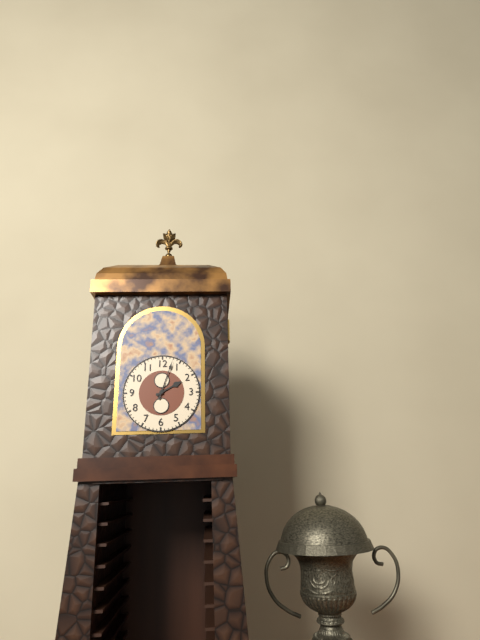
2:03
